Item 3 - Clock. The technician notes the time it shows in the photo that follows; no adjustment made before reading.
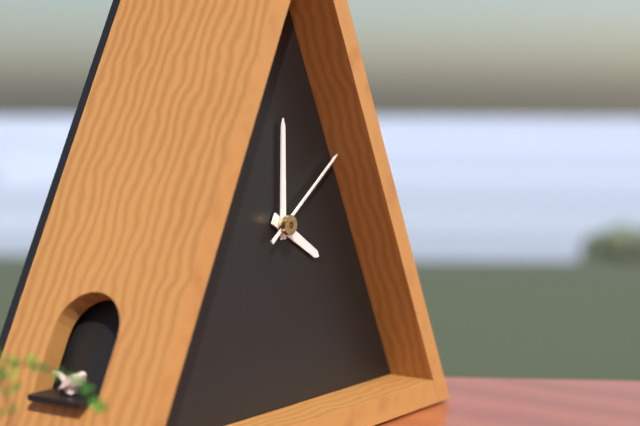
4:00:09
